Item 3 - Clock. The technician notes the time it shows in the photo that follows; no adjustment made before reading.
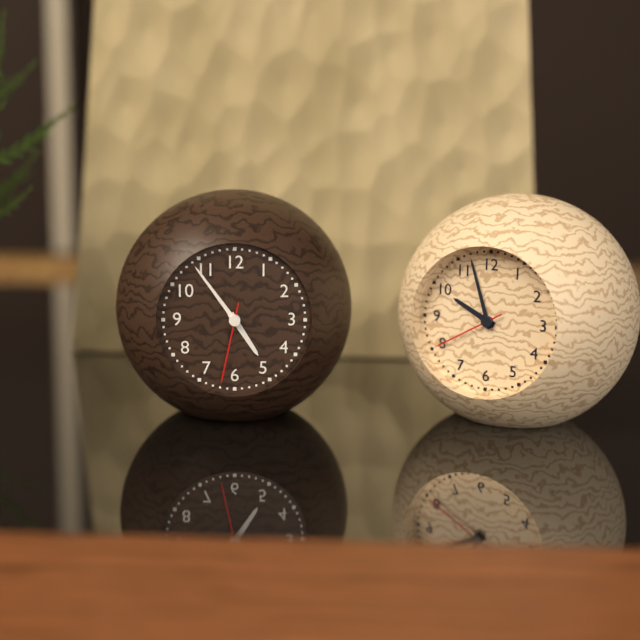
4:54:32
